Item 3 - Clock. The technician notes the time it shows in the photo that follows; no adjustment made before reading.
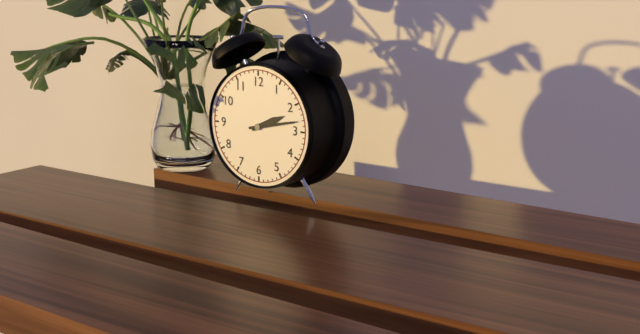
2:13
